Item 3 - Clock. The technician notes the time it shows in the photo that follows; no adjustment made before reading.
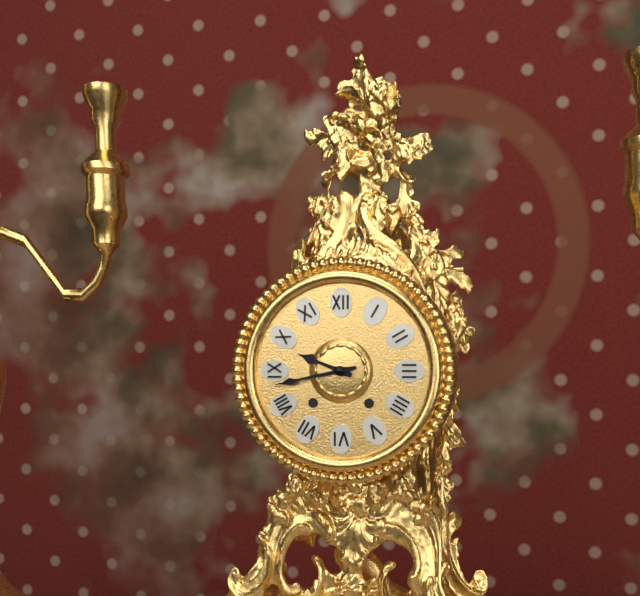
9:43
